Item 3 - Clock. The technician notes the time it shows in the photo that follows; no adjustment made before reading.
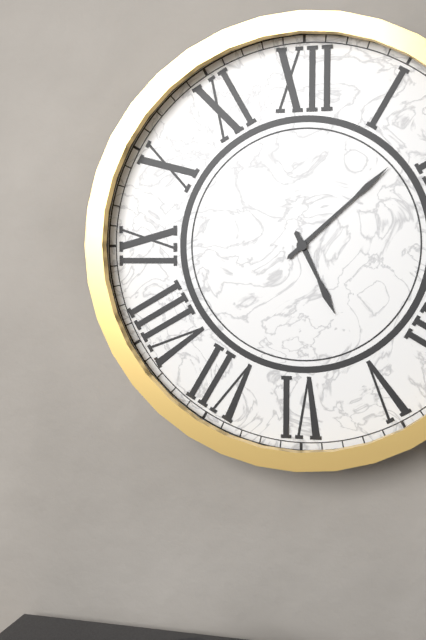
5:08
